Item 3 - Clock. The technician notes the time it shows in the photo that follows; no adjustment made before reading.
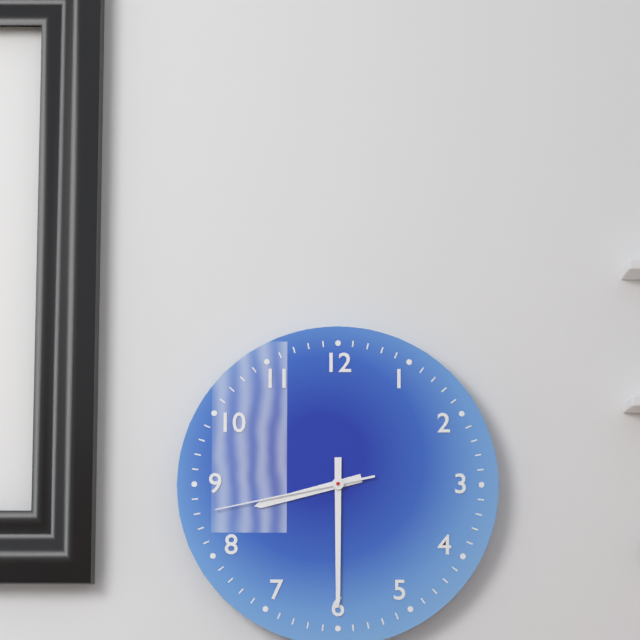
8:30:43
